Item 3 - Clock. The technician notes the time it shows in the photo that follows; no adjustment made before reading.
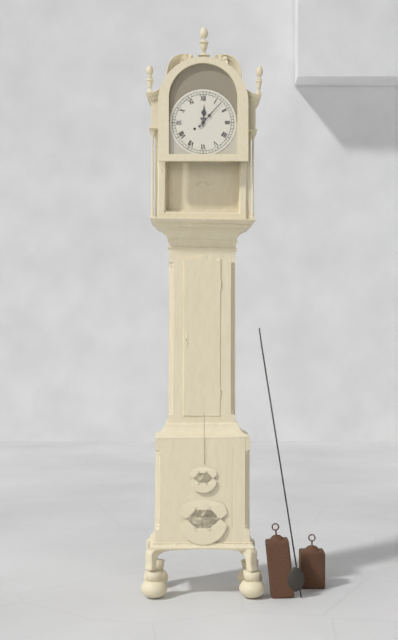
12:07
